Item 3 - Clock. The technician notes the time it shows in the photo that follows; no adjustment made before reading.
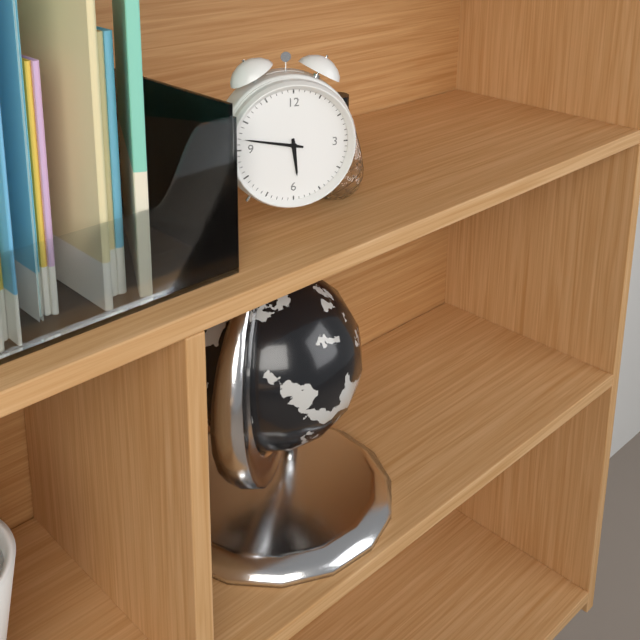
5:47
